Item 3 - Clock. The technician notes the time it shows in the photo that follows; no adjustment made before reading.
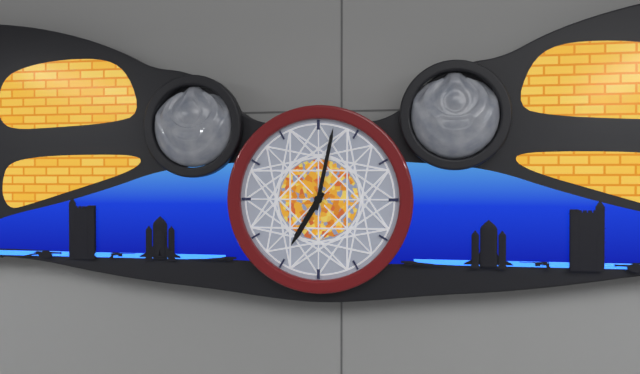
7:02
